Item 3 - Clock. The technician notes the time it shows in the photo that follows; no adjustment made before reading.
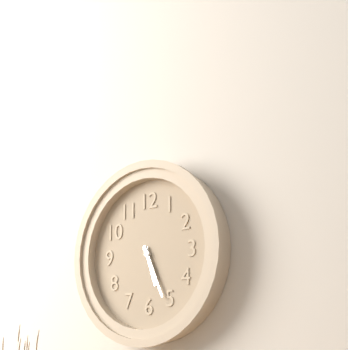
5:26
